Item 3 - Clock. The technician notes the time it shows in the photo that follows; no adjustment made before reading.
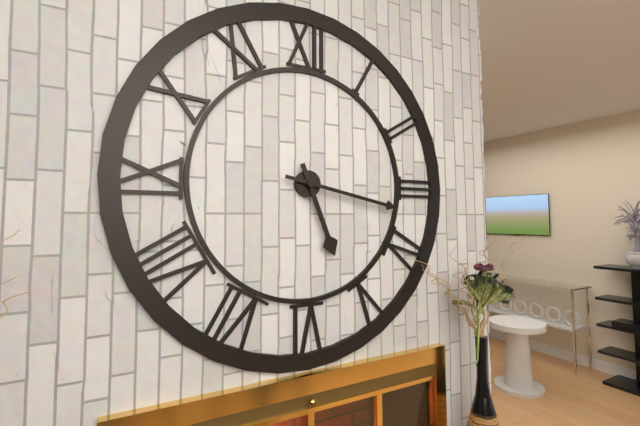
5:17
